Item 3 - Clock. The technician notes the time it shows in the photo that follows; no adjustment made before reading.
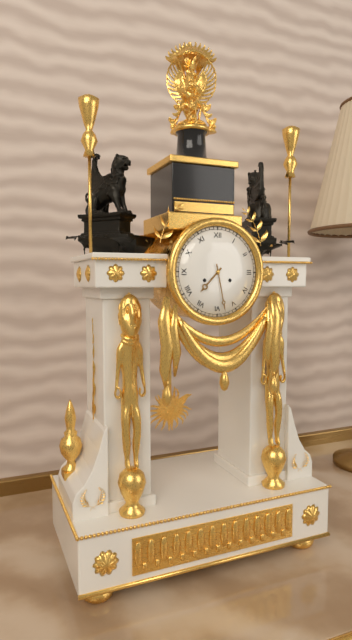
7:28
